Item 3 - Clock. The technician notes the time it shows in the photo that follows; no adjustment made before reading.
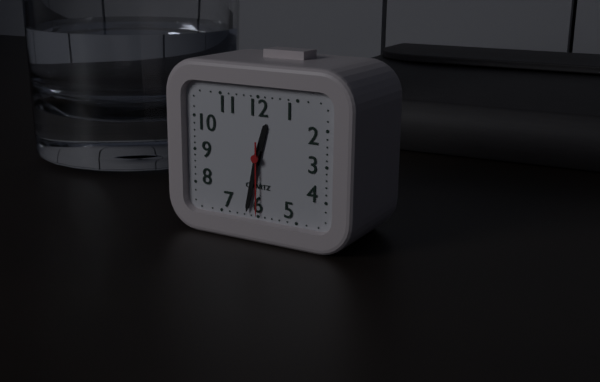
12:32:30
